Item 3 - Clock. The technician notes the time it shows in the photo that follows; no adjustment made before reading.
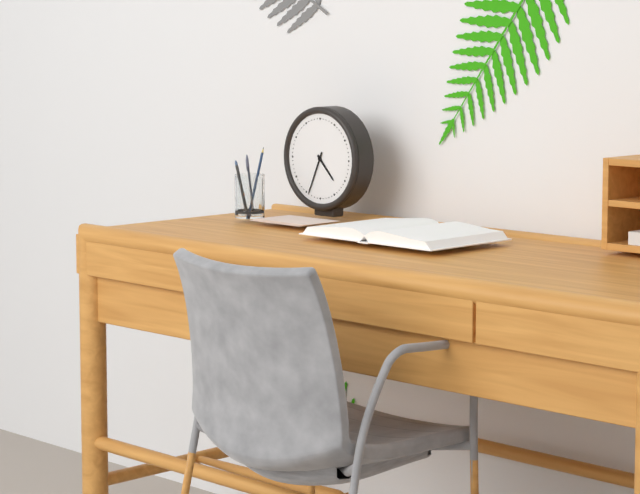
4:34
